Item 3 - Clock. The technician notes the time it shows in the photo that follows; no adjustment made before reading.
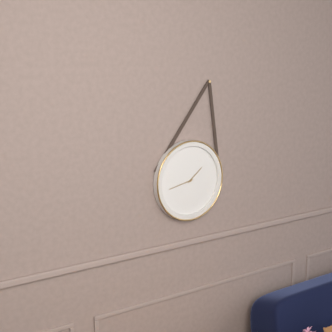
1:43
